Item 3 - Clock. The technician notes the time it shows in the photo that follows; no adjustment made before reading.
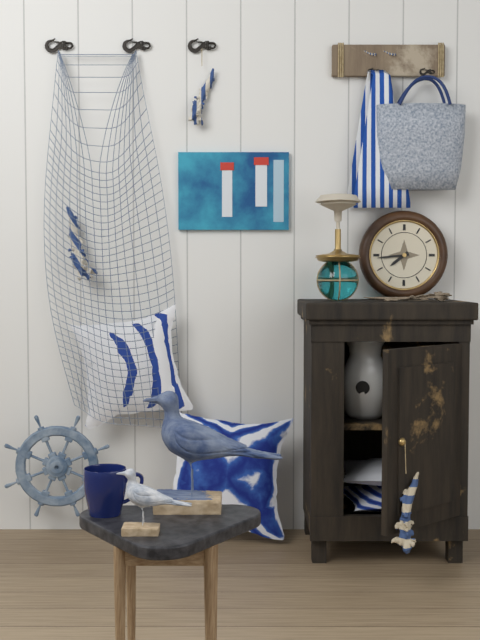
7:44
